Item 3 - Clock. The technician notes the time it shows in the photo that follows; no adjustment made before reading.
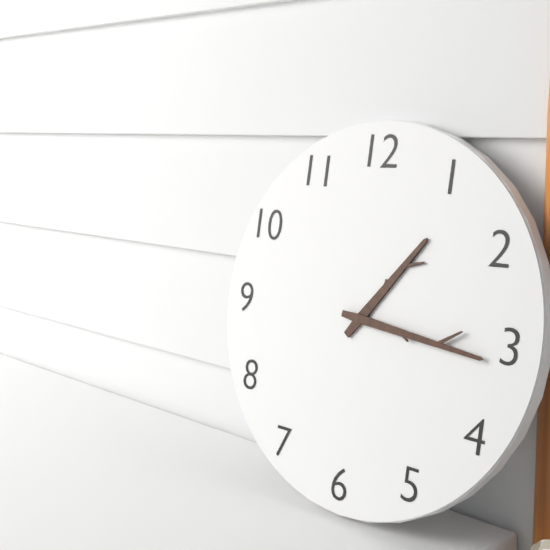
1:16
